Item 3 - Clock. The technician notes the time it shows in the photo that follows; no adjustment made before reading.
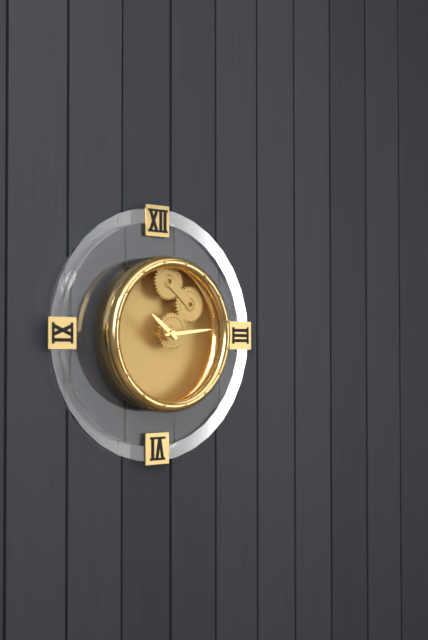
10:14
